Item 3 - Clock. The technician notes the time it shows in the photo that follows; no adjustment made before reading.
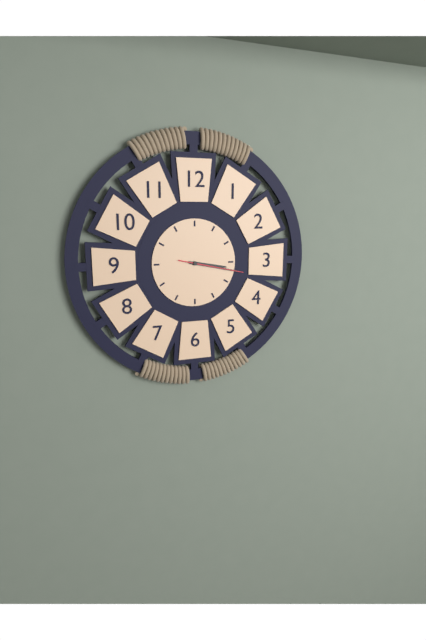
3:17:17
